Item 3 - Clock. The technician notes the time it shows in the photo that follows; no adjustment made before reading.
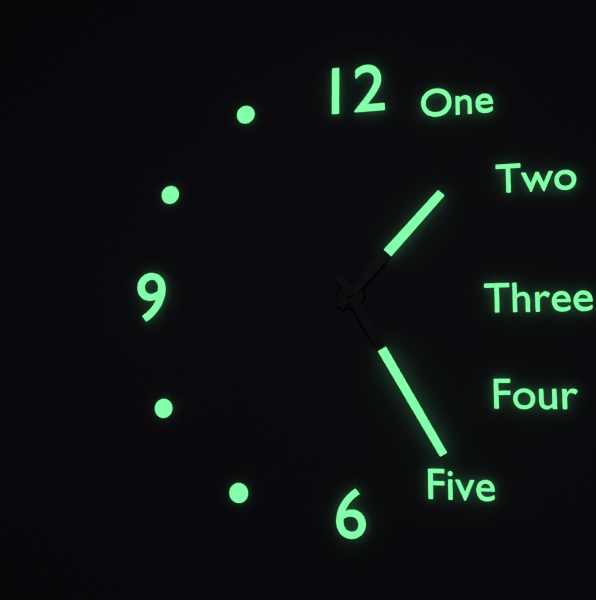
1:25
